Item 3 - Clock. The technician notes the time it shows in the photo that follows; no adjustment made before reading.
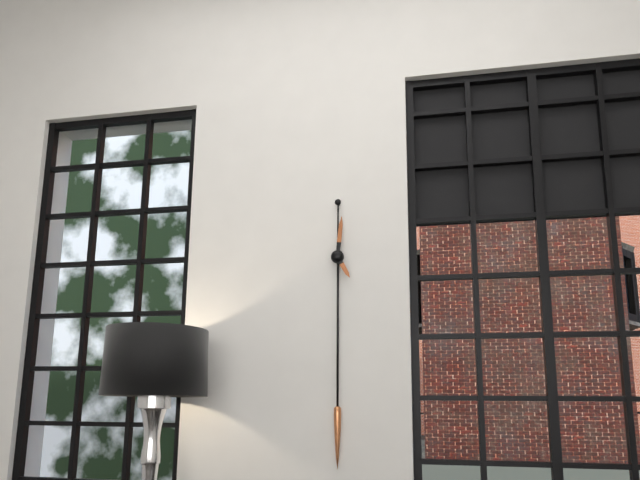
5:01
